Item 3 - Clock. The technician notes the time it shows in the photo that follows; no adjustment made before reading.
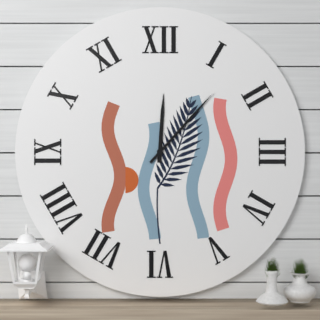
12:07
